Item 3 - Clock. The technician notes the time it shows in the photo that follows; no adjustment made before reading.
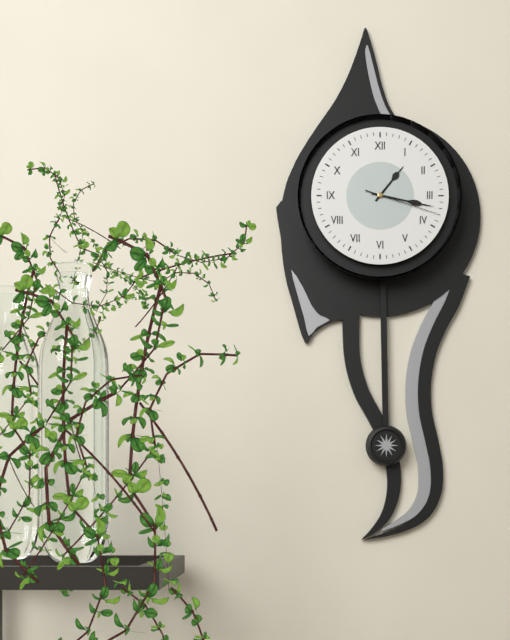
1:17:18
